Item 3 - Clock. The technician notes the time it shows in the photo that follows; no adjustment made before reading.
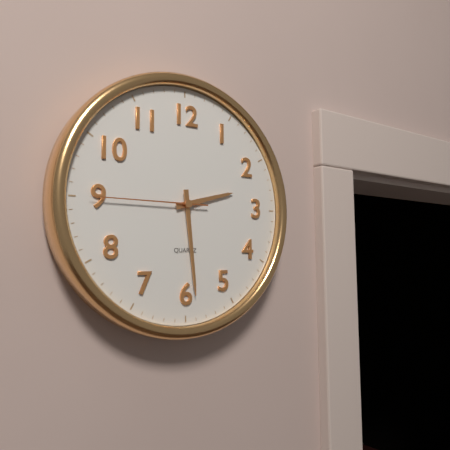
2:29:45
